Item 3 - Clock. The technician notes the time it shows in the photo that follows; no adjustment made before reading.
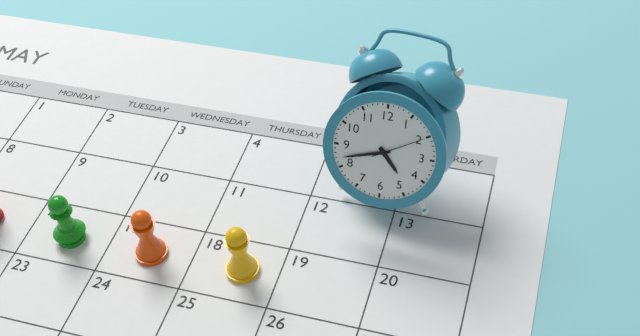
4:42
